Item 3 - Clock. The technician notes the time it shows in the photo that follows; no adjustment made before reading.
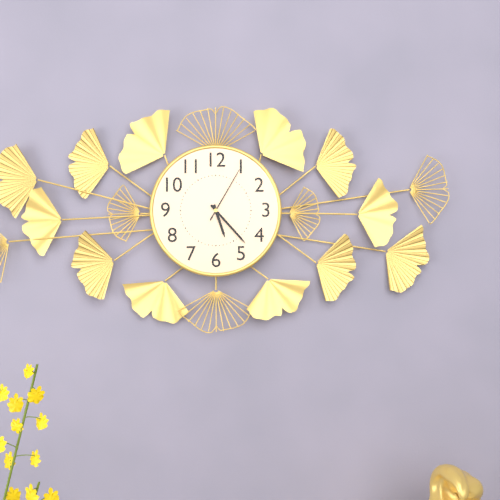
5:23:05
